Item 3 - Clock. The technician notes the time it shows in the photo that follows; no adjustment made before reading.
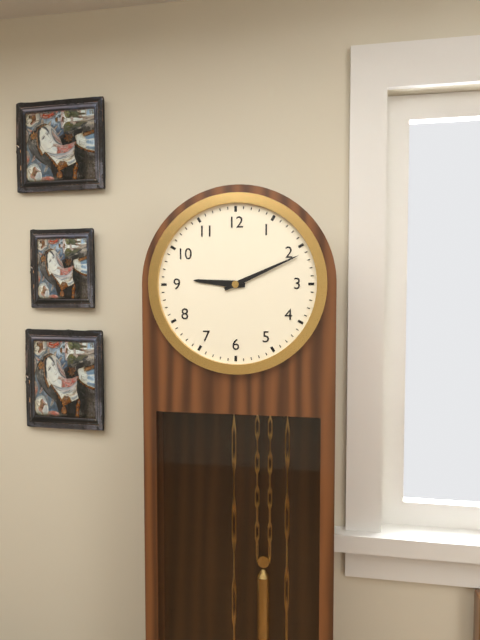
9:11
